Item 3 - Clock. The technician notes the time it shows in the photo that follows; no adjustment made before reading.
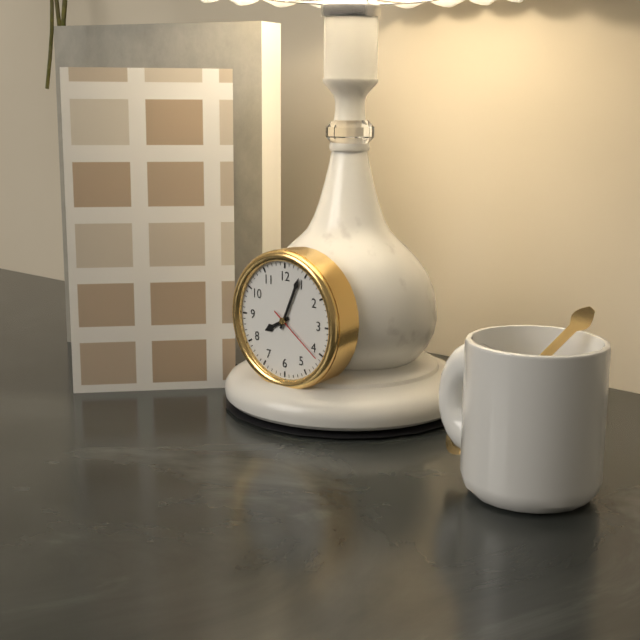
8:04:21
